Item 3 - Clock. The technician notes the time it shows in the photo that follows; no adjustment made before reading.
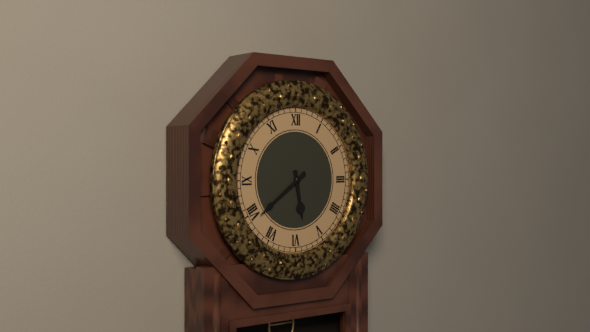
5:39
